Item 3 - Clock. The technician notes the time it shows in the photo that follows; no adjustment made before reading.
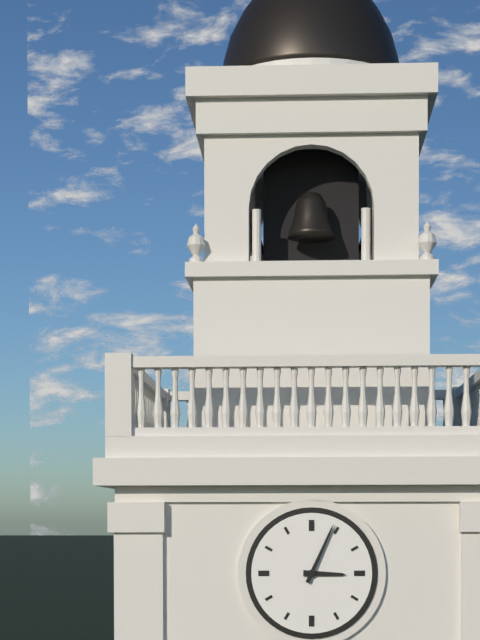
3:04
